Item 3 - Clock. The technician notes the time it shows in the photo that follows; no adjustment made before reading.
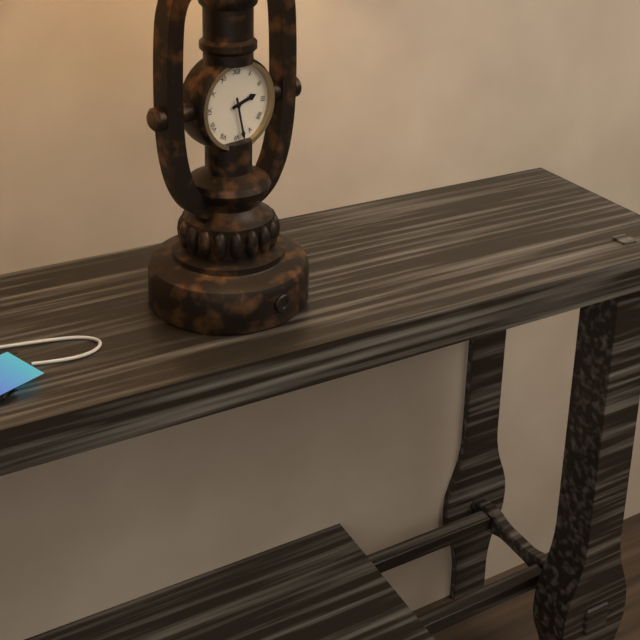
2:28
